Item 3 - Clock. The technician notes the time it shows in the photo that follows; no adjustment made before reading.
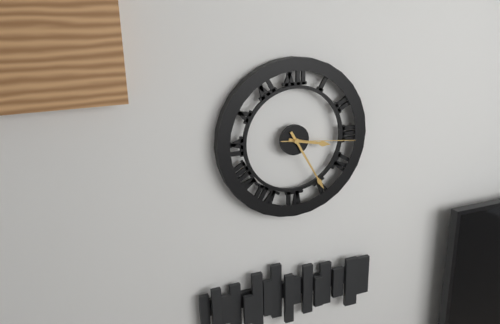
3:25:16
